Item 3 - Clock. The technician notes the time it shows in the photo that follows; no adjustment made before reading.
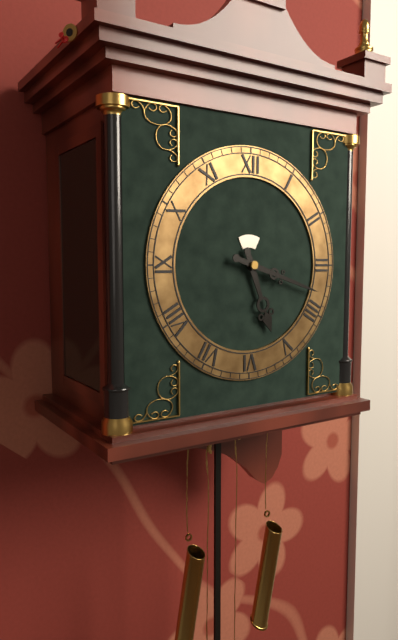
5:18
